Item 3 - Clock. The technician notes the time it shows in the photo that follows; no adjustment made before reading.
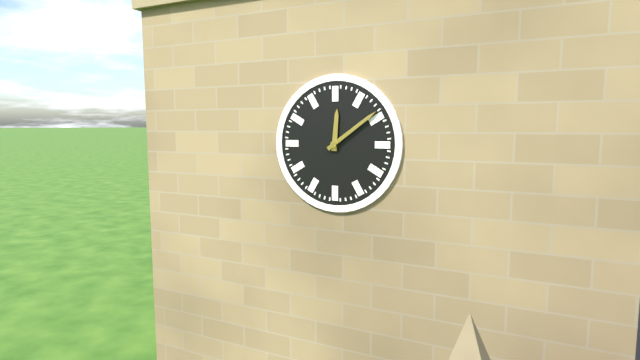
12:09
